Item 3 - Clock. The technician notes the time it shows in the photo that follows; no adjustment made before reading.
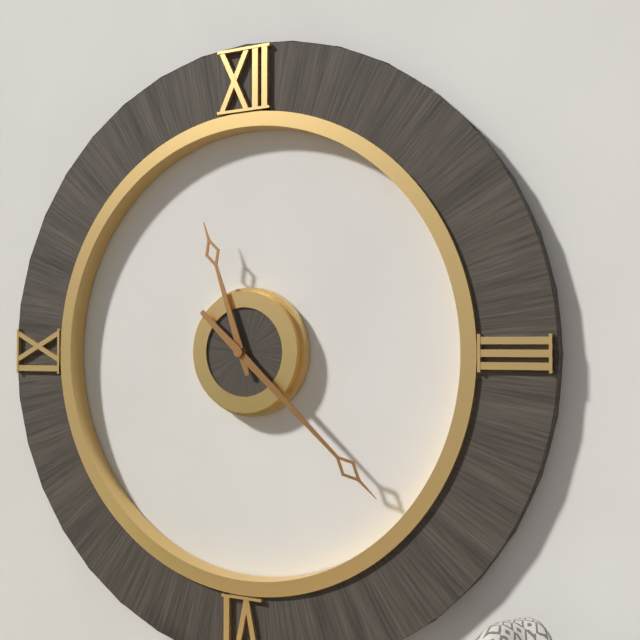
11:22
